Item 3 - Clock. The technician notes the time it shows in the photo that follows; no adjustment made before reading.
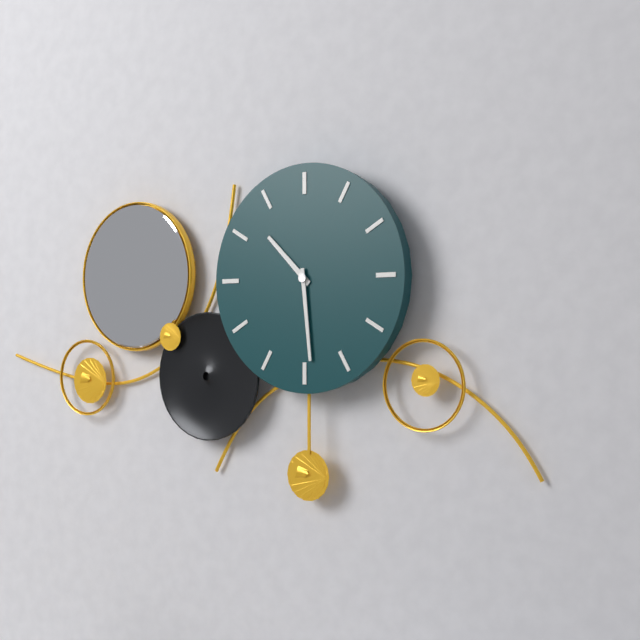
10:29
